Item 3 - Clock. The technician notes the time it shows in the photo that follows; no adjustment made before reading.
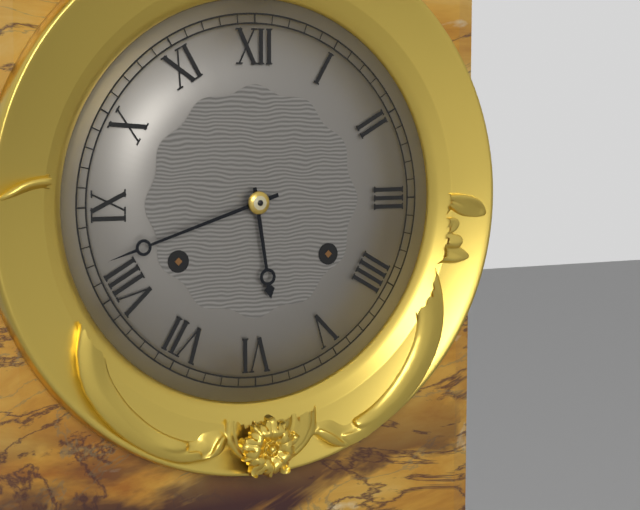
5:42
